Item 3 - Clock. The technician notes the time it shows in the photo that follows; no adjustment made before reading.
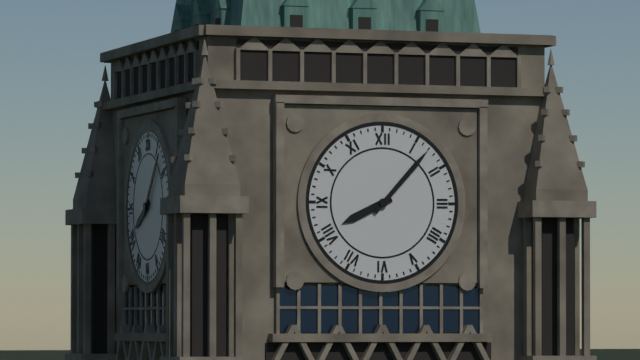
8:07
